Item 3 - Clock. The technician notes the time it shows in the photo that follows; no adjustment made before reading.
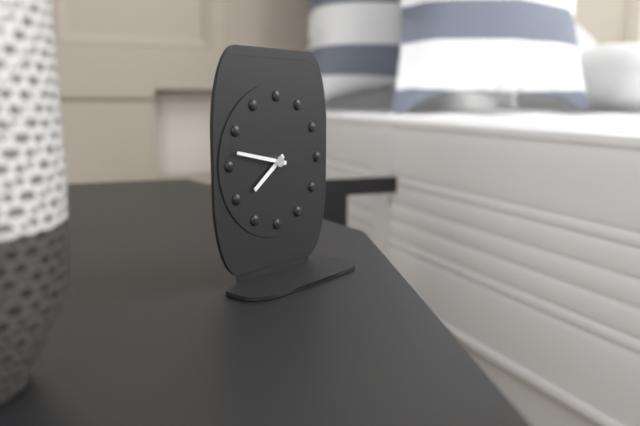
7:47
